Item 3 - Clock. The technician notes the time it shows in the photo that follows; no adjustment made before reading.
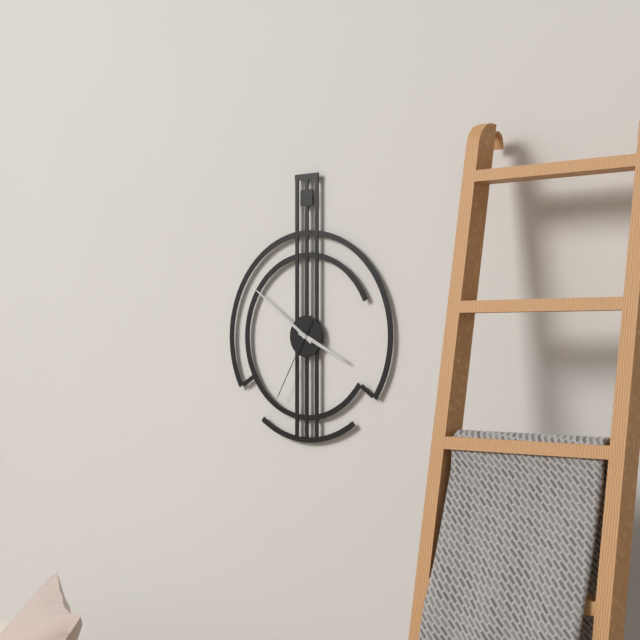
3:51:35
